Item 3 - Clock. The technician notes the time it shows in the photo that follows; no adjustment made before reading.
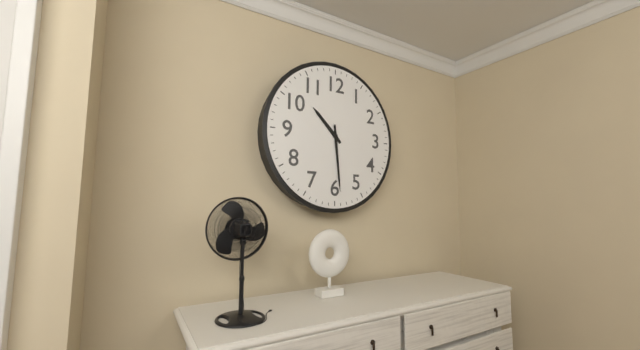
10:29
